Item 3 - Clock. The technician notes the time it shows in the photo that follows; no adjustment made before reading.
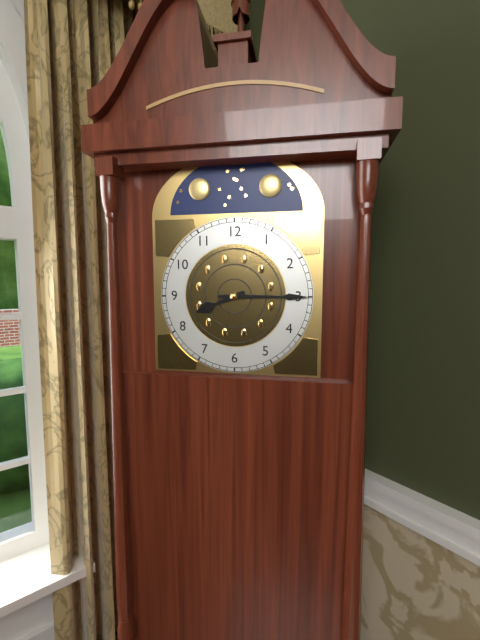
8:15
